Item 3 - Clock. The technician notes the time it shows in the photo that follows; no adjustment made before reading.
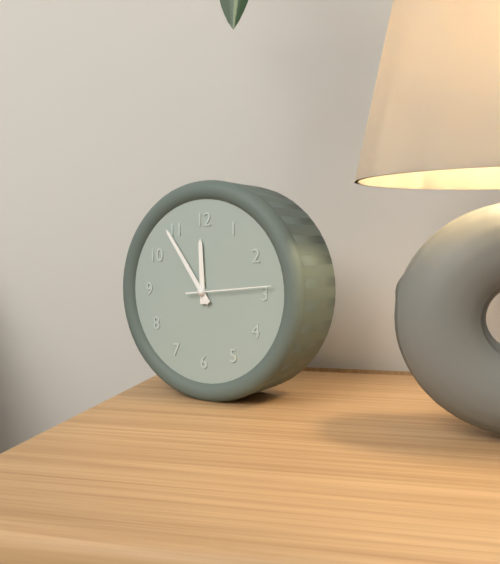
11:54:14
